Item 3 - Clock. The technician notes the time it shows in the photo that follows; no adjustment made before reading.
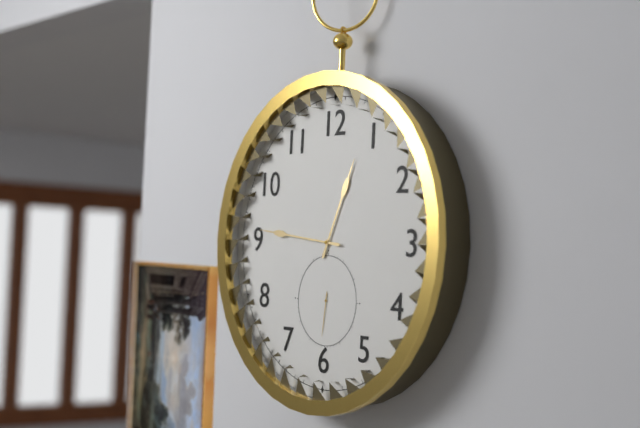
12:46
